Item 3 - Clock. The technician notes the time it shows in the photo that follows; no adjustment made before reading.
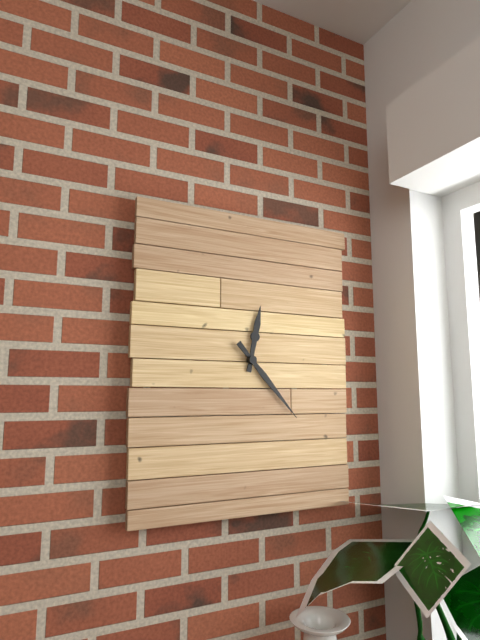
12:23
